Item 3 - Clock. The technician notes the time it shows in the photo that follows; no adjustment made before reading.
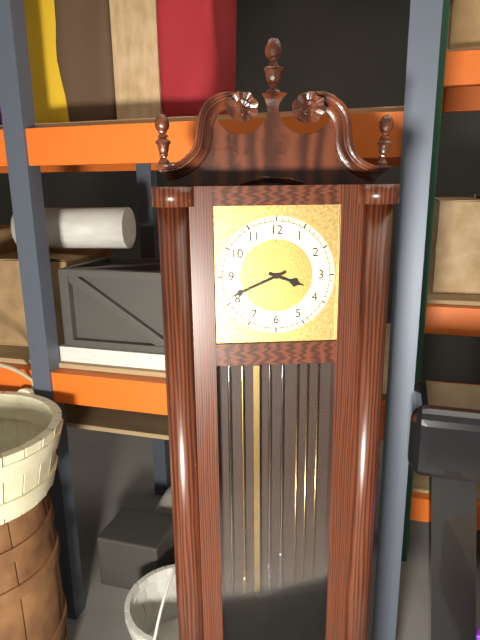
3:41
